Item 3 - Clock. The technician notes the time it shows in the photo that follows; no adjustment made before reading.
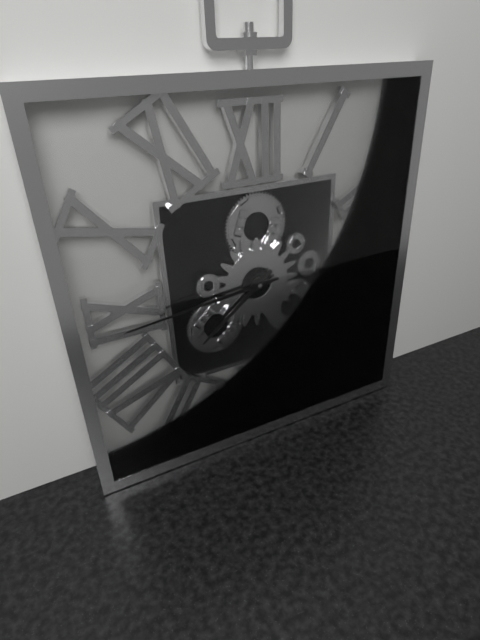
7:44
